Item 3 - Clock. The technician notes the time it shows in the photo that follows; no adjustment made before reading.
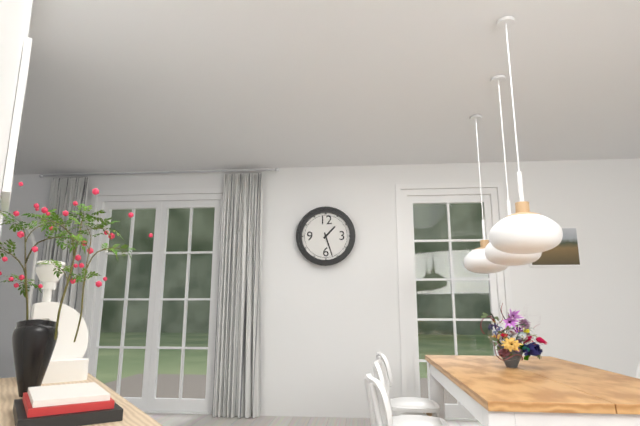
1:27
